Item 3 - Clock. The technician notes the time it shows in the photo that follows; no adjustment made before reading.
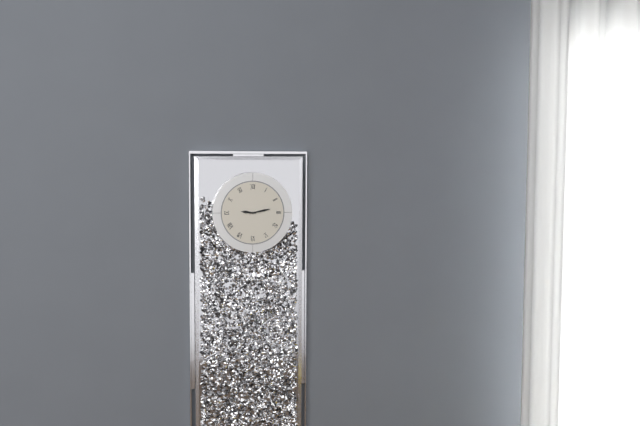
9:13
